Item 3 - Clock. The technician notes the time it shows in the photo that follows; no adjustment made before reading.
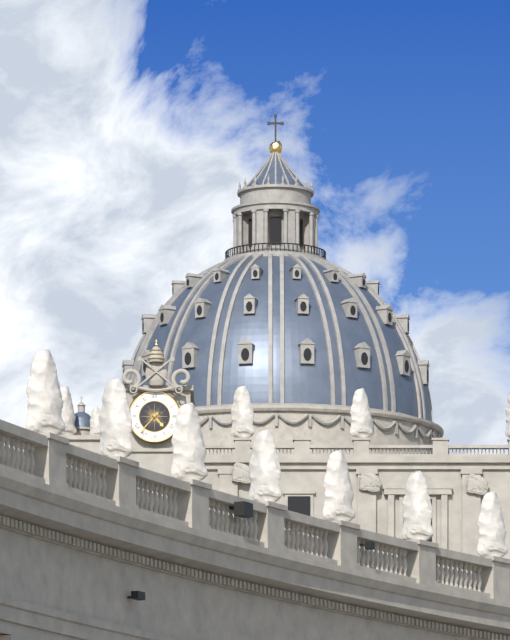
4:37
